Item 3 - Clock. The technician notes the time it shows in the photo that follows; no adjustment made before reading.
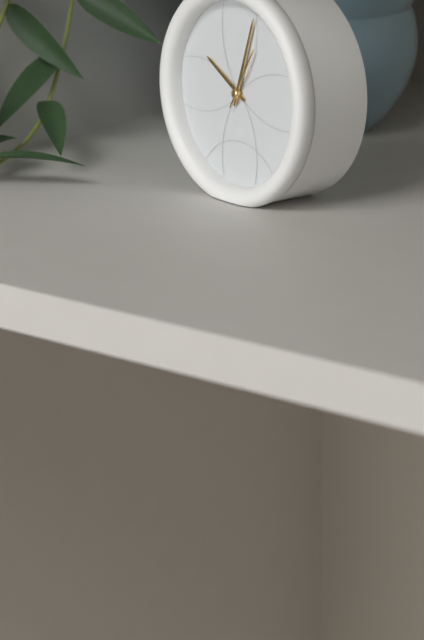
10:03:05
